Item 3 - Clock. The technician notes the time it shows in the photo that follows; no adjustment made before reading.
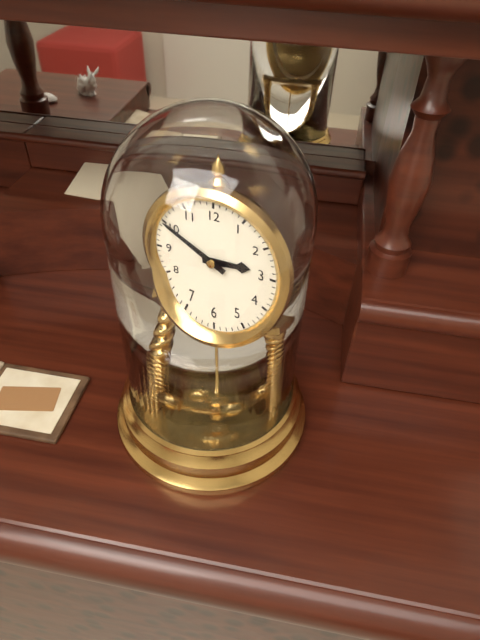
2:50
